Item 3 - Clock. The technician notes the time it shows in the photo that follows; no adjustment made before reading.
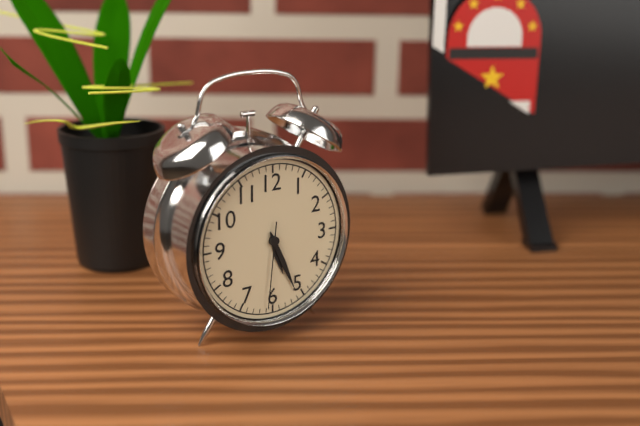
5:26:31
